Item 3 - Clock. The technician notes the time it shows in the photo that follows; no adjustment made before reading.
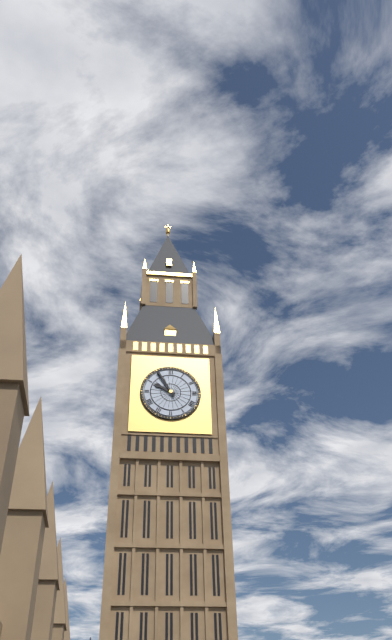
9:55
